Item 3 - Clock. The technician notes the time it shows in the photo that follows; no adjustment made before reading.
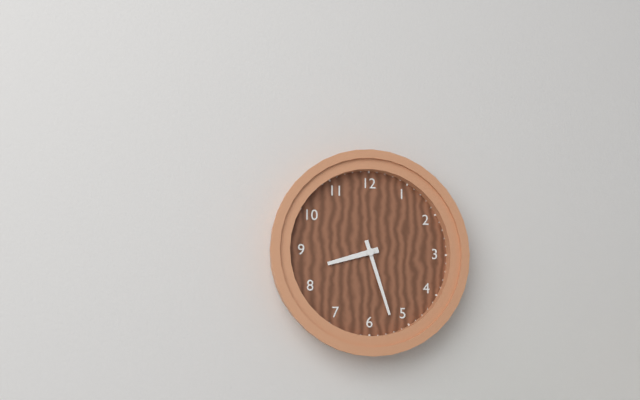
8:27
